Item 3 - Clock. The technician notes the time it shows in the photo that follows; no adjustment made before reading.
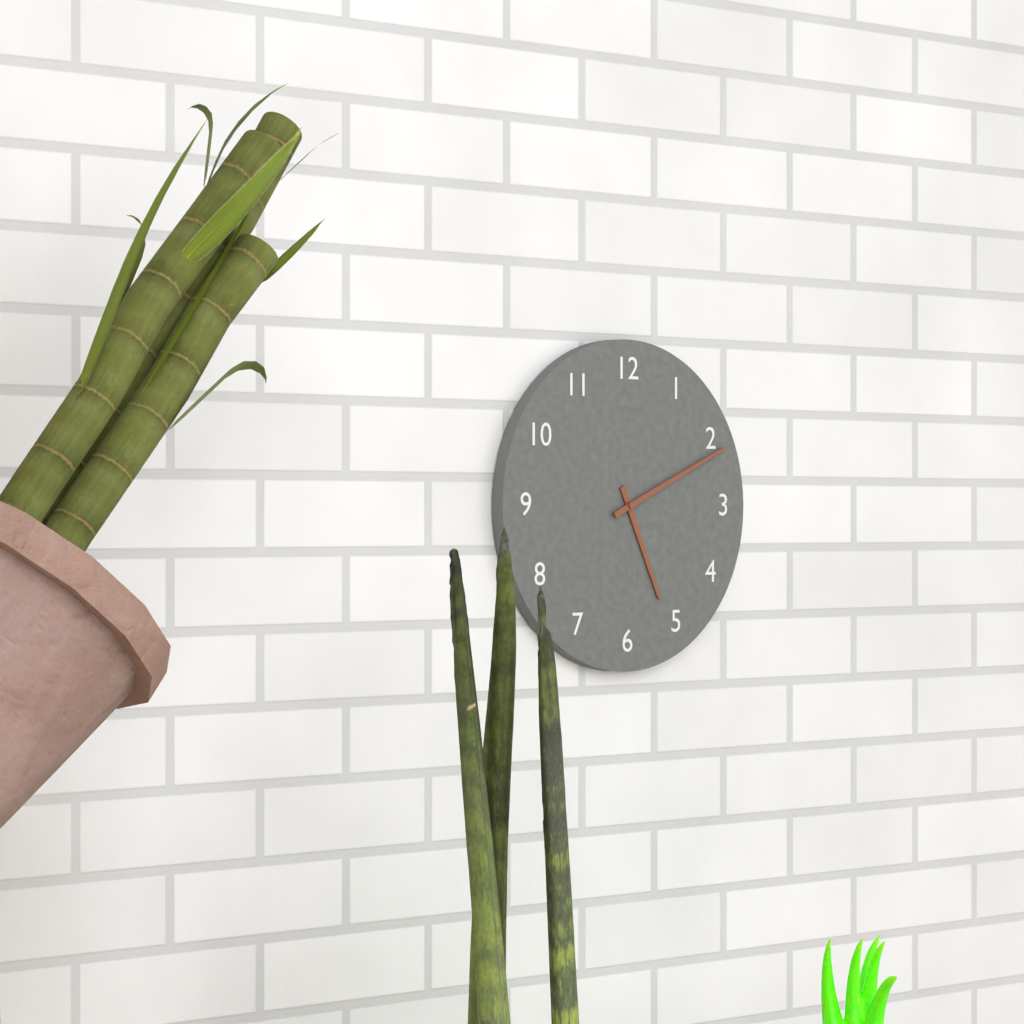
5:11
